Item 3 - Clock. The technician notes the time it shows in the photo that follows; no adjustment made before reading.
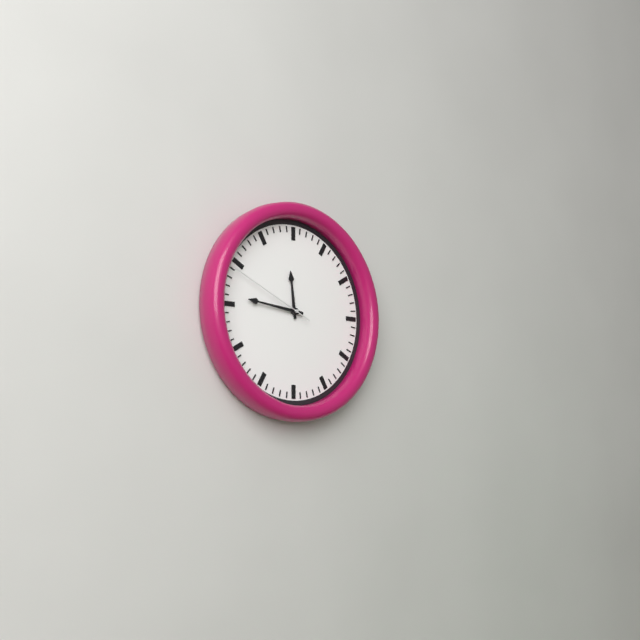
11:46:49
